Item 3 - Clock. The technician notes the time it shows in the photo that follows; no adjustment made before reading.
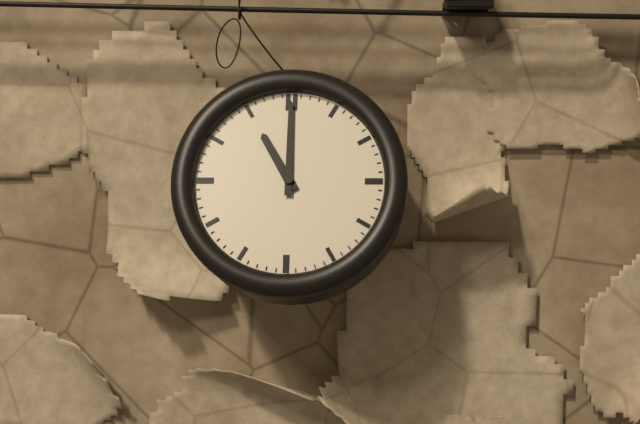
11:00
